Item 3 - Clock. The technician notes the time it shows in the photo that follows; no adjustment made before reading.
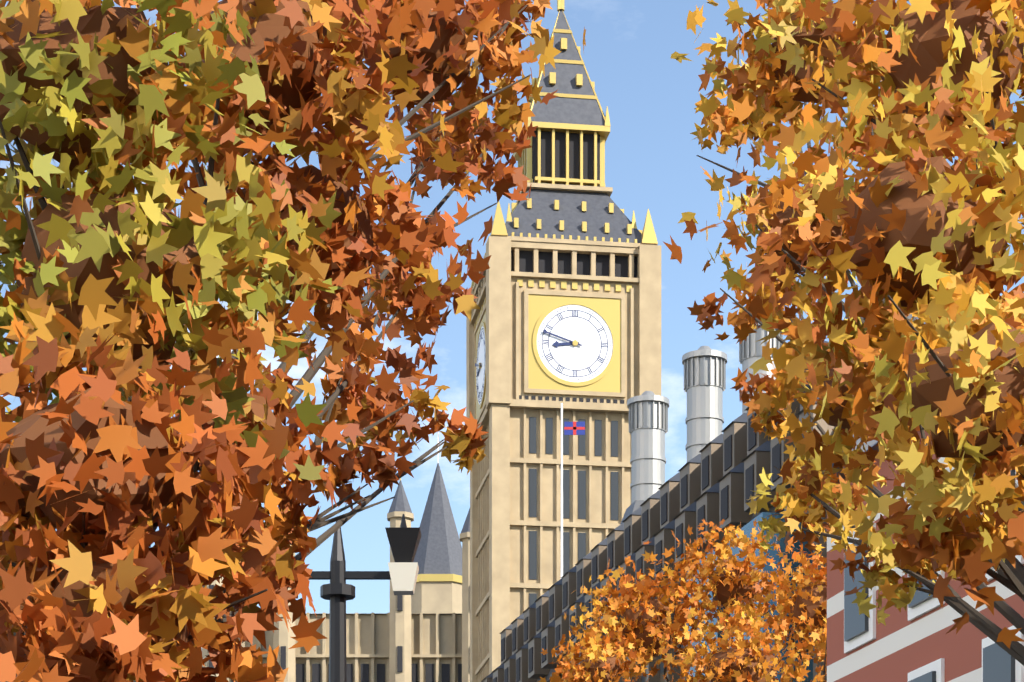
8:48
